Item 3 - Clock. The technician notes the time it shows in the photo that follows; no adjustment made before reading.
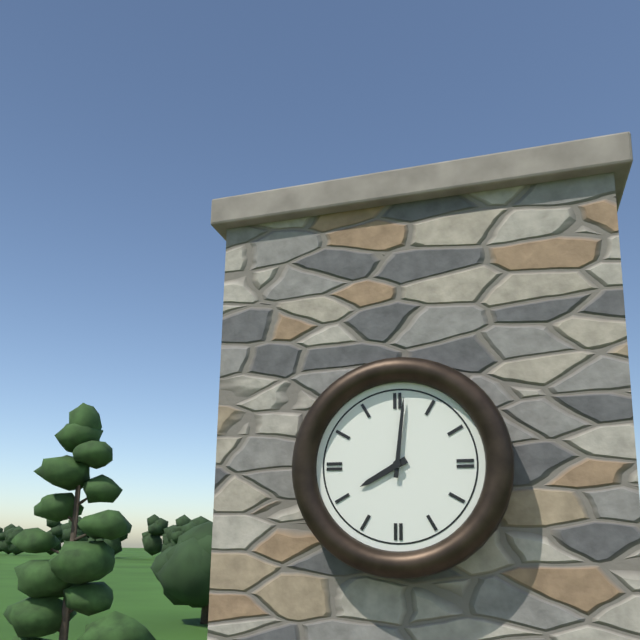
8:01
